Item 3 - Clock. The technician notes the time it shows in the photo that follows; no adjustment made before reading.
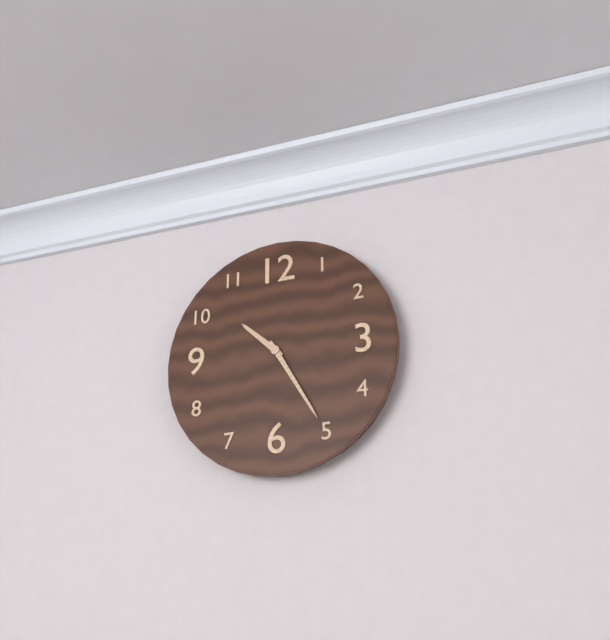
10:25
